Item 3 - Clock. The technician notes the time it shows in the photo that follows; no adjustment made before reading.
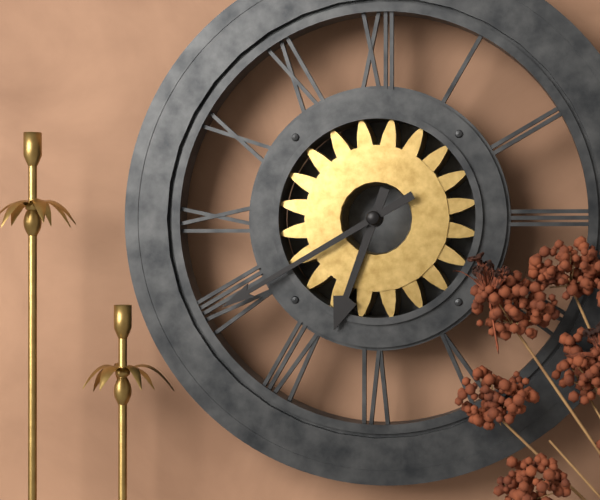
6:40
